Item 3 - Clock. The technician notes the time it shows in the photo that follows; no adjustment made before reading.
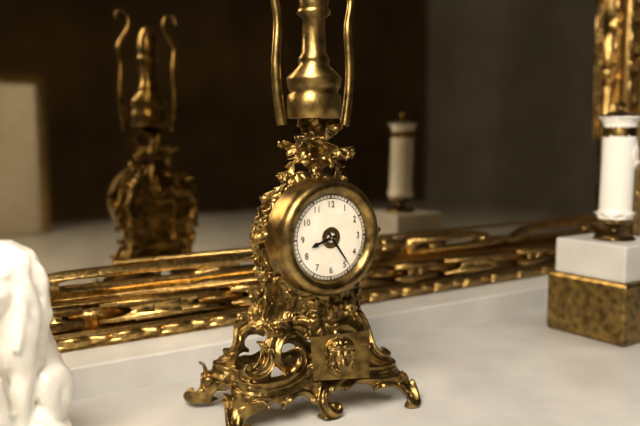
8:24
